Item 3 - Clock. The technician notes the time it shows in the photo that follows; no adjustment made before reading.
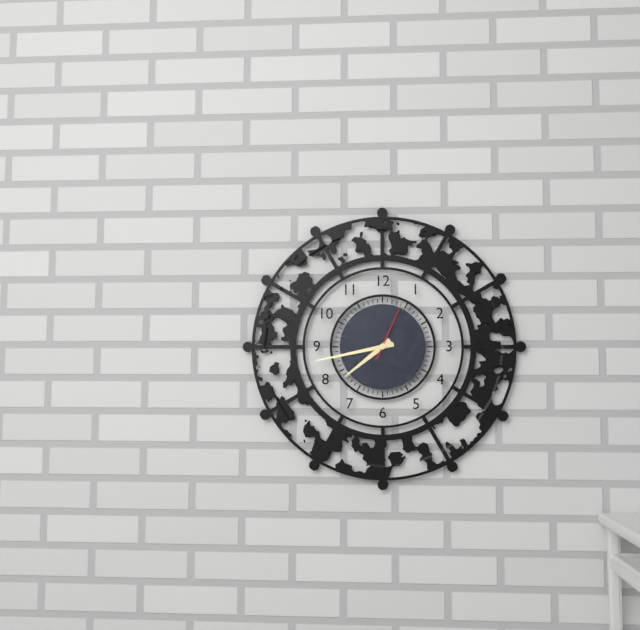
7:43:04
